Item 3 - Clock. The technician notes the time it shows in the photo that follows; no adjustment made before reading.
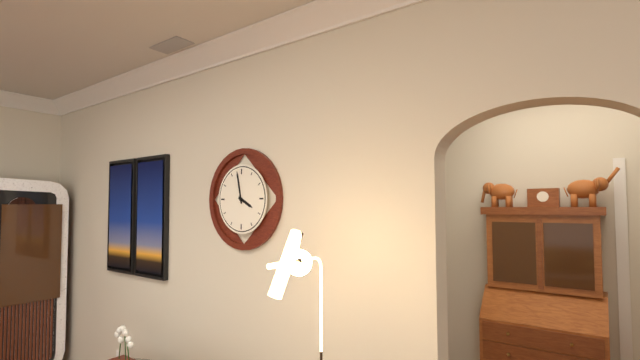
3:58
